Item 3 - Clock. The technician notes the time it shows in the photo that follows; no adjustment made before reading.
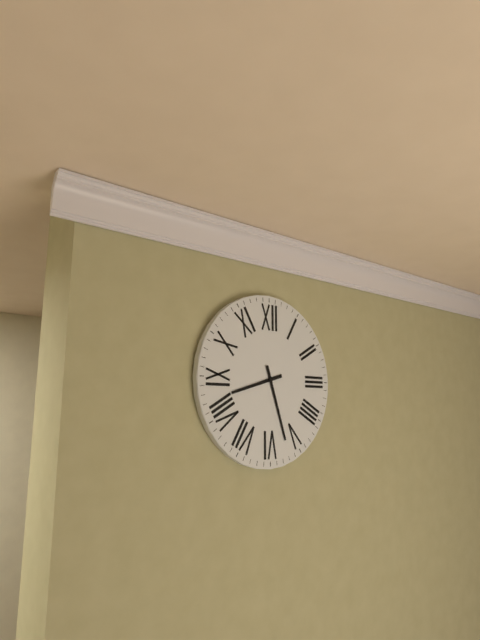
8:27
